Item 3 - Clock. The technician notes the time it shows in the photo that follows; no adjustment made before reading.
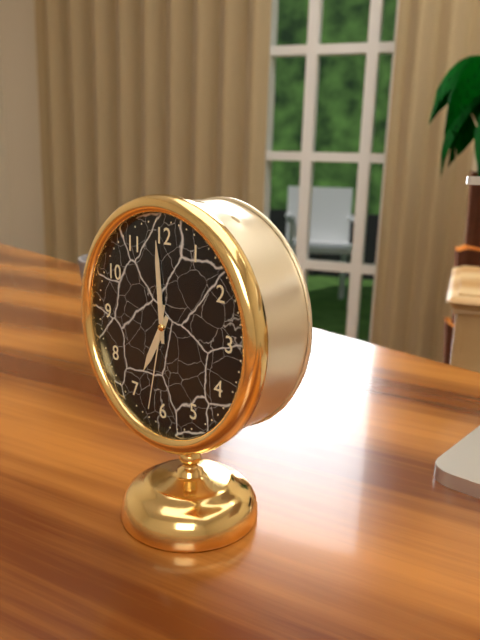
6:59:32
